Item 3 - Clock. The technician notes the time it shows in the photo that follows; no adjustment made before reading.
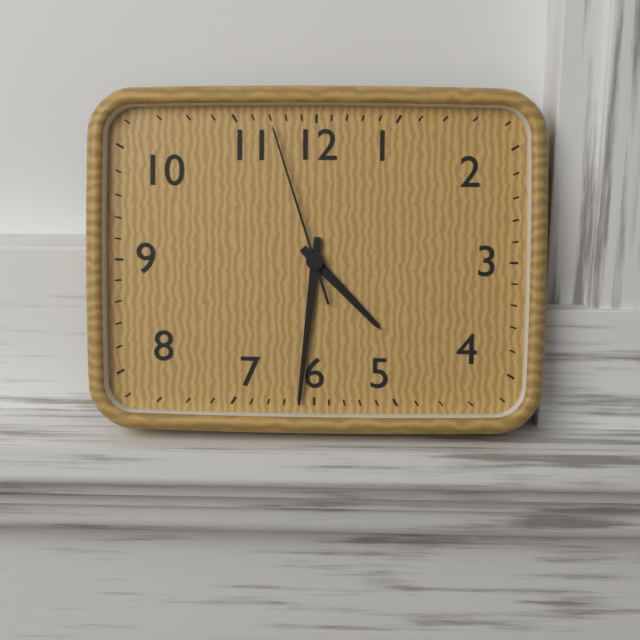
4:31:57
